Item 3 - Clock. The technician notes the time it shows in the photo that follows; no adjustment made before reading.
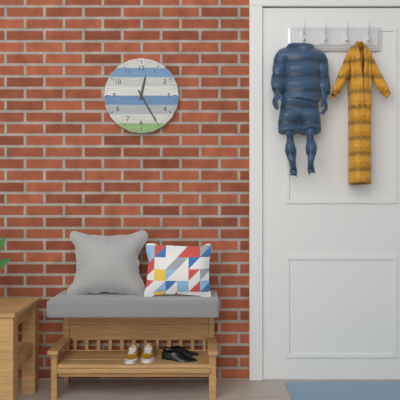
12:25
